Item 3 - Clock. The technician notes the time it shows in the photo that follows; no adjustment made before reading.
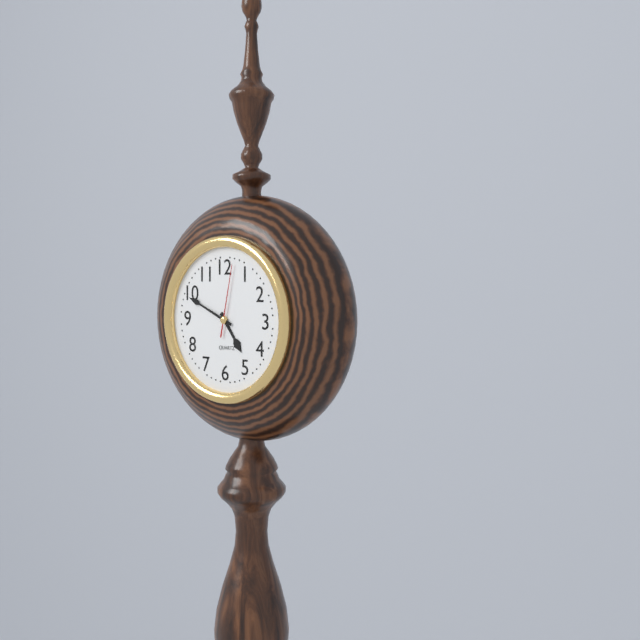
4:49:02
